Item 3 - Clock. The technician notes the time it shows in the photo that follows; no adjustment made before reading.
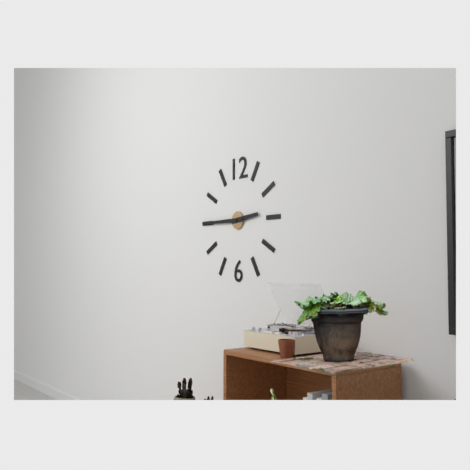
2:45
